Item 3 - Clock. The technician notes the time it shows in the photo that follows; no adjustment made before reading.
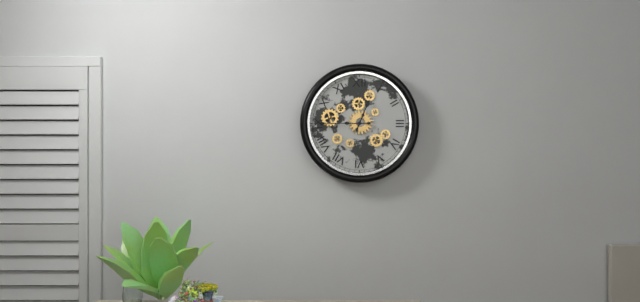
12:45
